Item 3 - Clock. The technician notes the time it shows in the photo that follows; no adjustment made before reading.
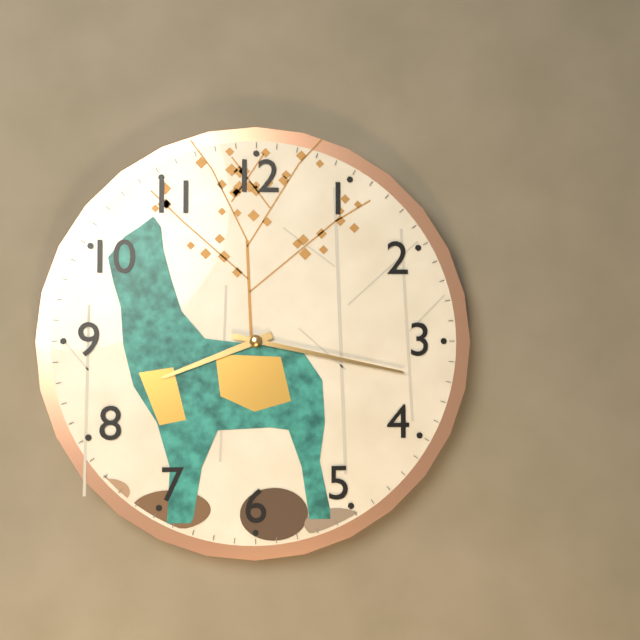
8:17
